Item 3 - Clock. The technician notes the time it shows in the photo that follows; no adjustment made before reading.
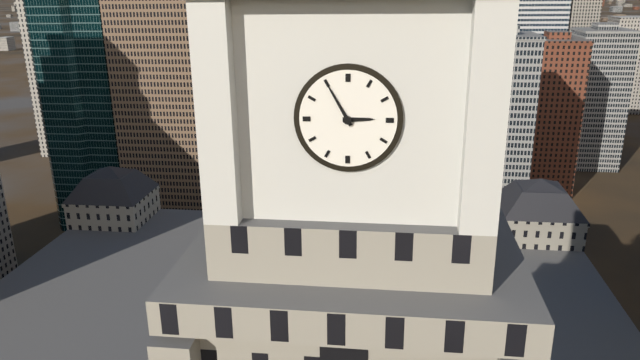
2:55
